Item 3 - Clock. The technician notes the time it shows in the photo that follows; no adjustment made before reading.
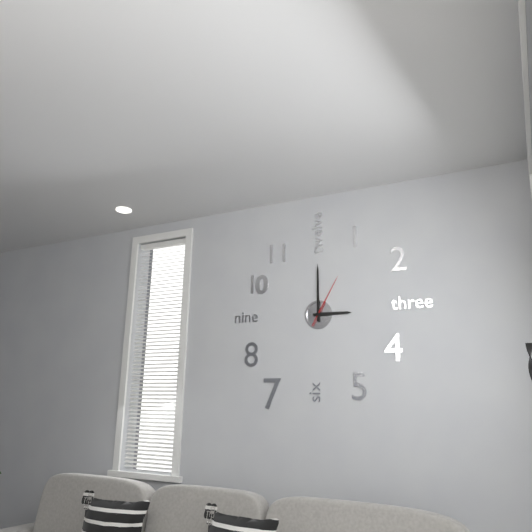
3:00:05
